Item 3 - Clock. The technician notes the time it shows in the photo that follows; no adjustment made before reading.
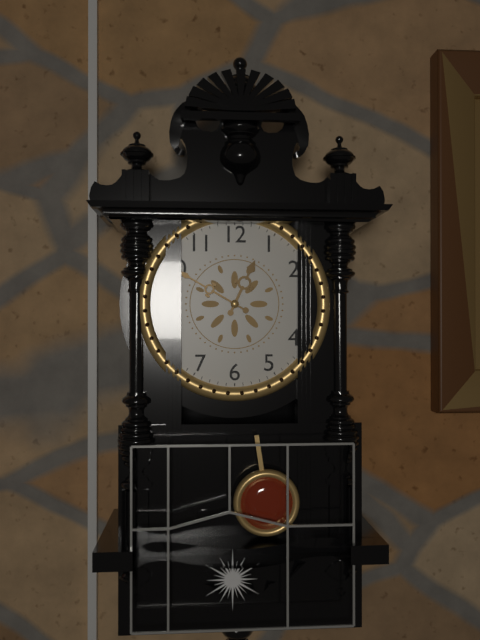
12:50
